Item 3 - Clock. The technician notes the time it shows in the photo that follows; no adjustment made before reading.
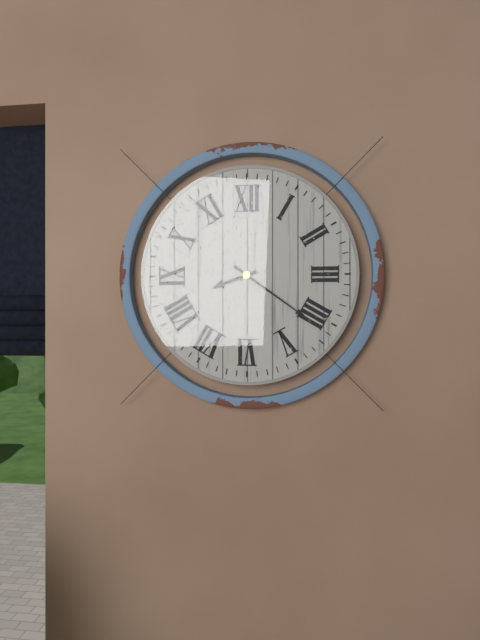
8:21
